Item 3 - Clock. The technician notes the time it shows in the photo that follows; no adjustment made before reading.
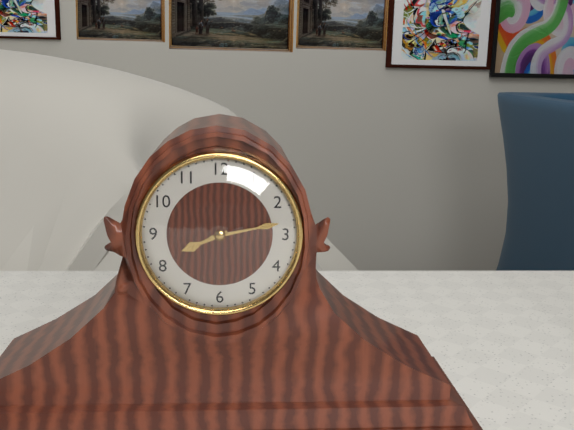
8:13
